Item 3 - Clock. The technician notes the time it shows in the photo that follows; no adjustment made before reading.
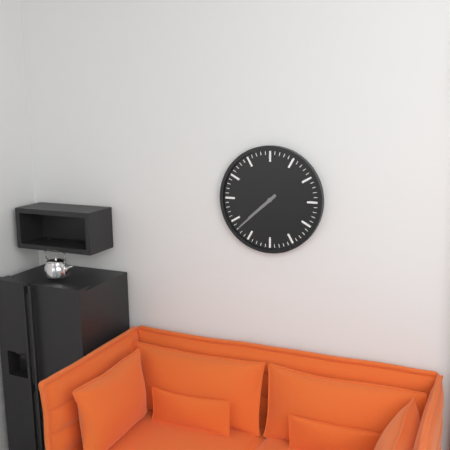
7:38
